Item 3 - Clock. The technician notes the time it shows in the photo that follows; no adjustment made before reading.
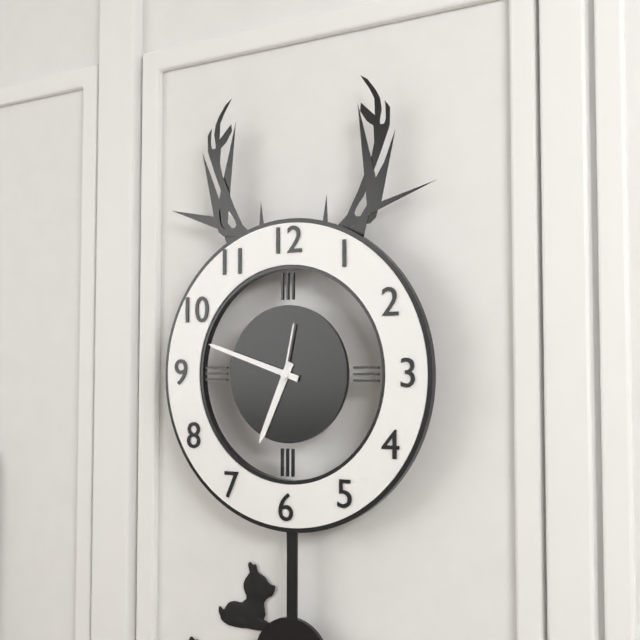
6:48:02
